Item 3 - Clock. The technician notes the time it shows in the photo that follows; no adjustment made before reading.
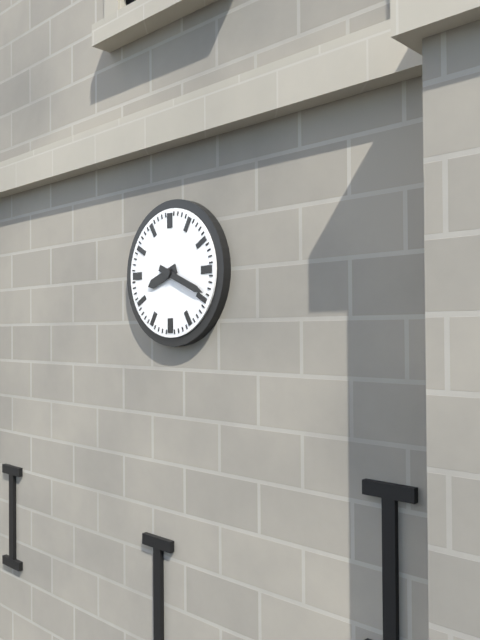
8:19
